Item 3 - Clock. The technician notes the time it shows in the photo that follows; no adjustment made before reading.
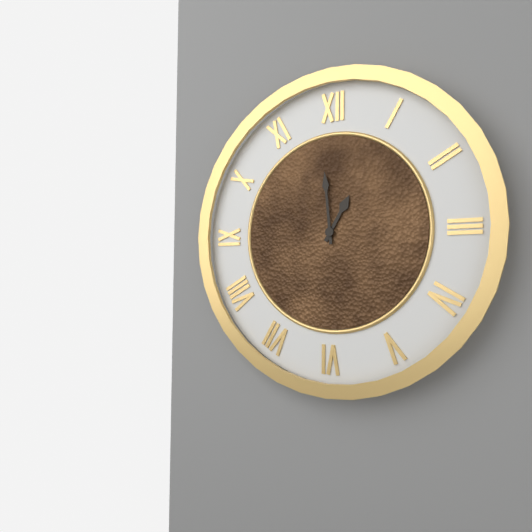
12:59
